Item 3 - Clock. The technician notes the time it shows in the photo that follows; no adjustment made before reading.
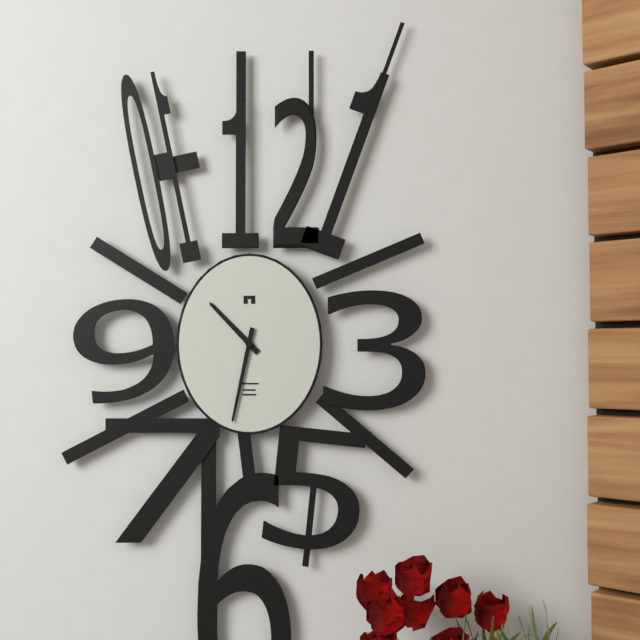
10:32
